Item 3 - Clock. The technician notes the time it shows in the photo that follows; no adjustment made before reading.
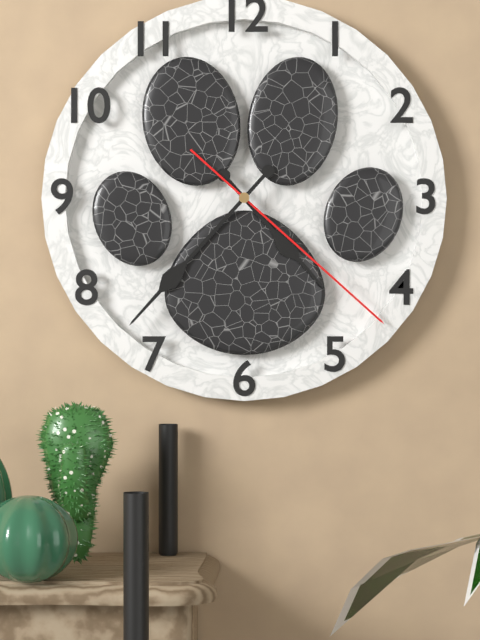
4:37:22
